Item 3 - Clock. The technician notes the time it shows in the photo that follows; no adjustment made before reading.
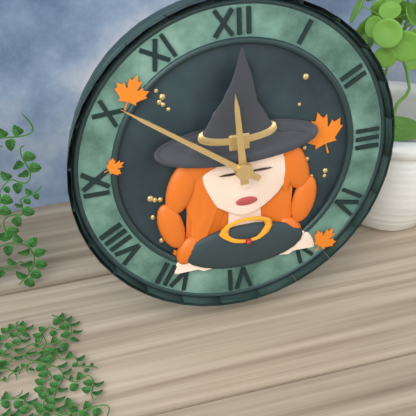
11:51
